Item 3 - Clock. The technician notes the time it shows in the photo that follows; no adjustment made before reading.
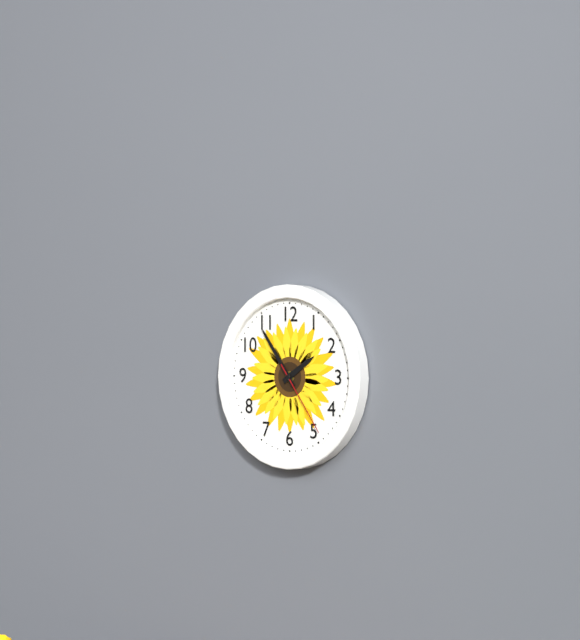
1:54:24
